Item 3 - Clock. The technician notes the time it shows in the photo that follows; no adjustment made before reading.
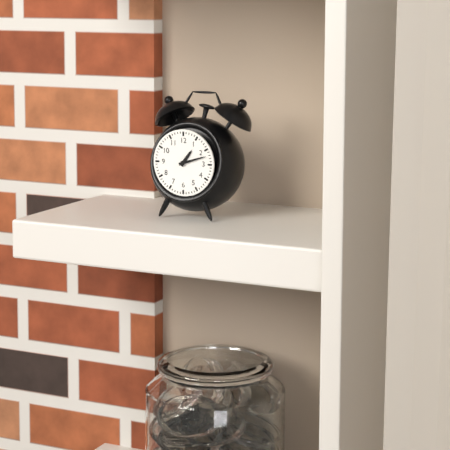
1:12
